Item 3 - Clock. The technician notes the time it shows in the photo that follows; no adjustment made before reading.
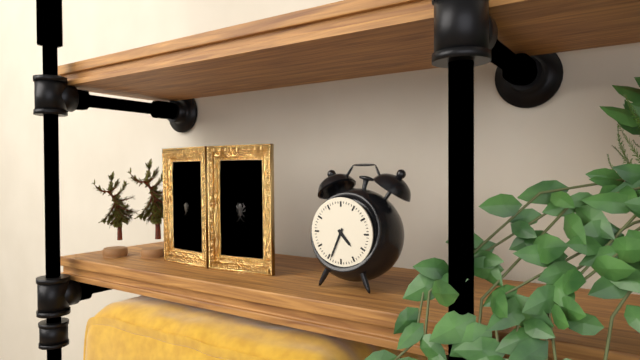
4:34
